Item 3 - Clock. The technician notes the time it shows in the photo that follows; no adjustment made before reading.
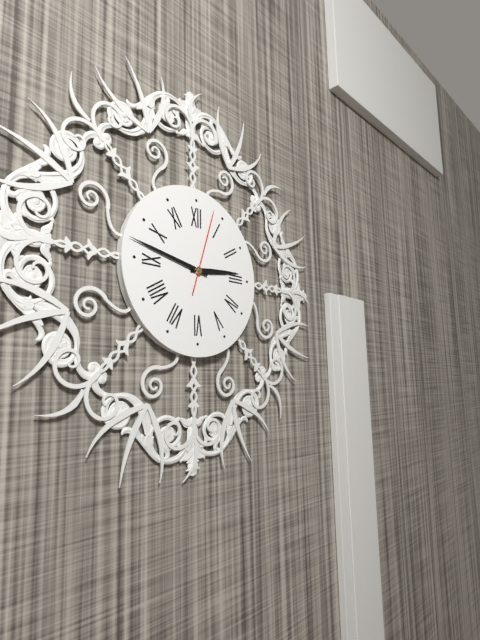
2:47:03
